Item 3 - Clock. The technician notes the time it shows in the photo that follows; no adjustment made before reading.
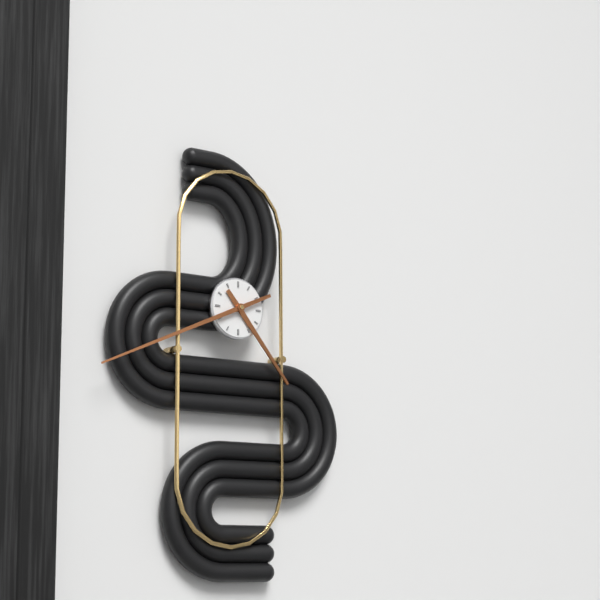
4:41
